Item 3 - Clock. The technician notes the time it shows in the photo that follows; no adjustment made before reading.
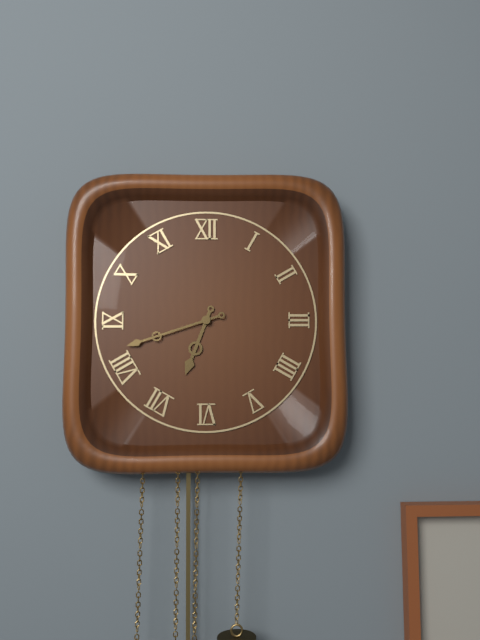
6:42
